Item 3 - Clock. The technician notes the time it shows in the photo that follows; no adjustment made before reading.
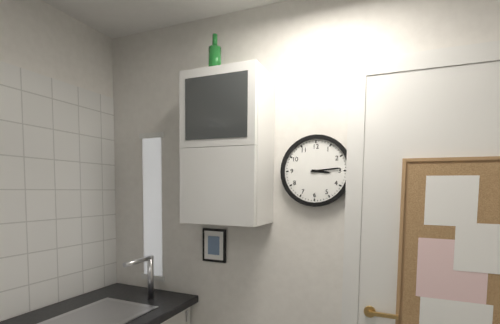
3:14
